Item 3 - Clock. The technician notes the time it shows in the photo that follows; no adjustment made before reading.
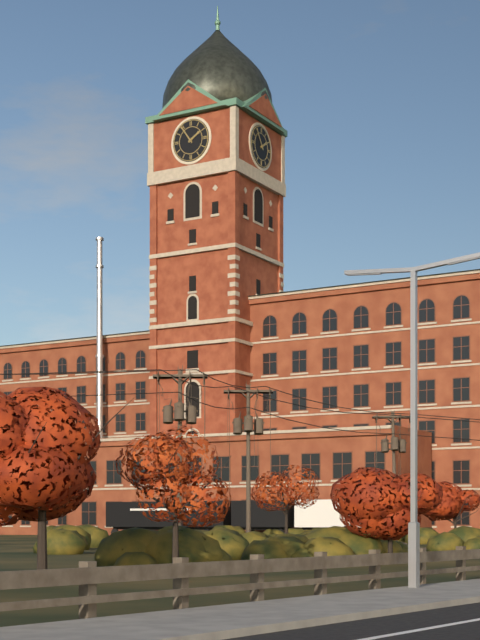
1:54
